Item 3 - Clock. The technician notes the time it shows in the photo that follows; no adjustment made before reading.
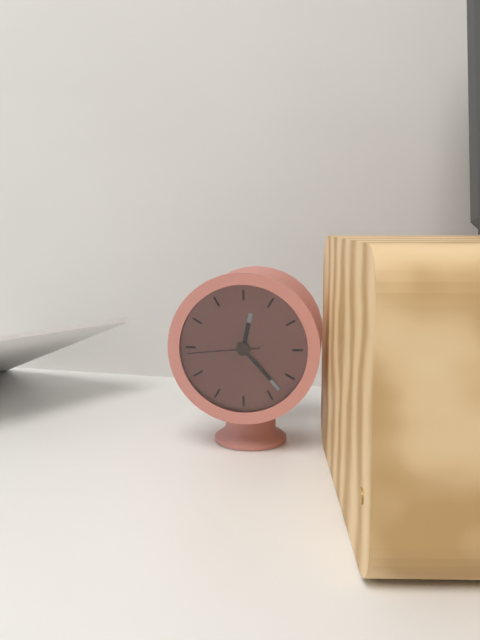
12:23:44
